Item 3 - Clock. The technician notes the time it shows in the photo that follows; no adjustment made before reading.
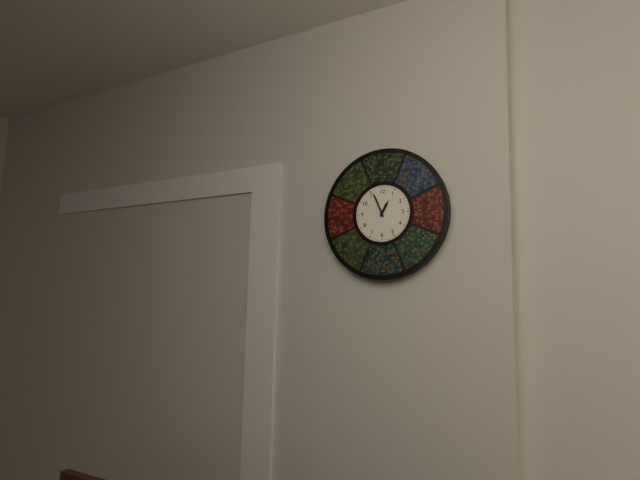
12:56
